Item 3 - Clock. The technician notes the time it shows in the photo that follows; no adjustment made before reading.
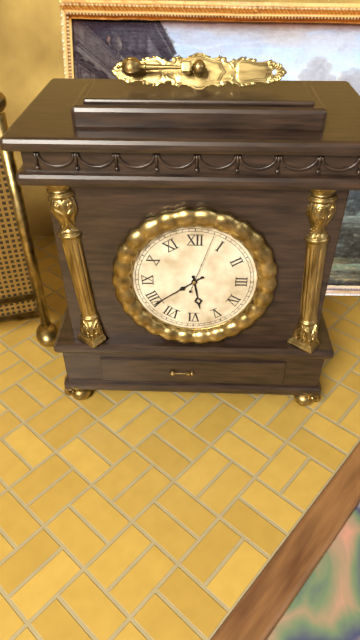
5:39:03
